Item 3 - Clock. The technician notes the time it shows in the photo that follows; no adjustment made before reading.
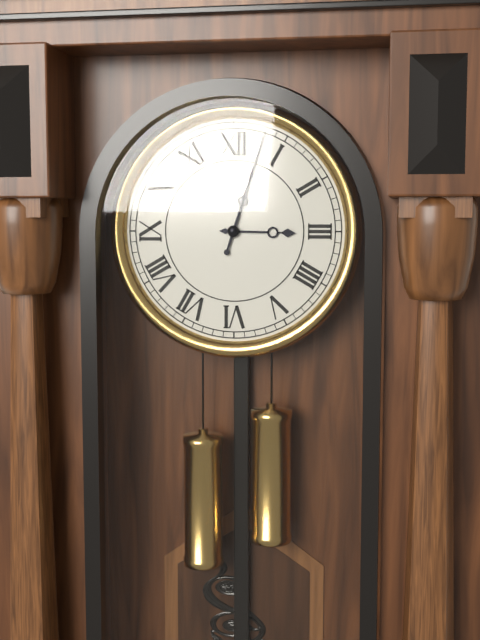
3:03
